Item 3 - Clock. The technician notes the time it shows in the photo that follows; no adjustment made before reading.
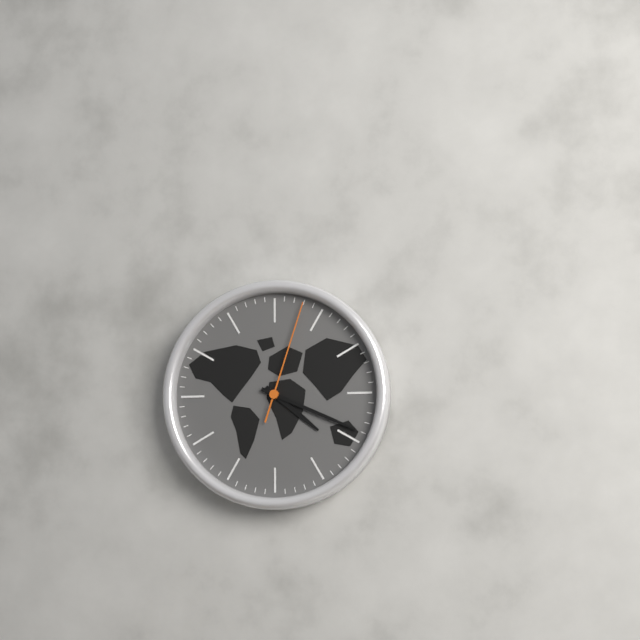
4:19:03
